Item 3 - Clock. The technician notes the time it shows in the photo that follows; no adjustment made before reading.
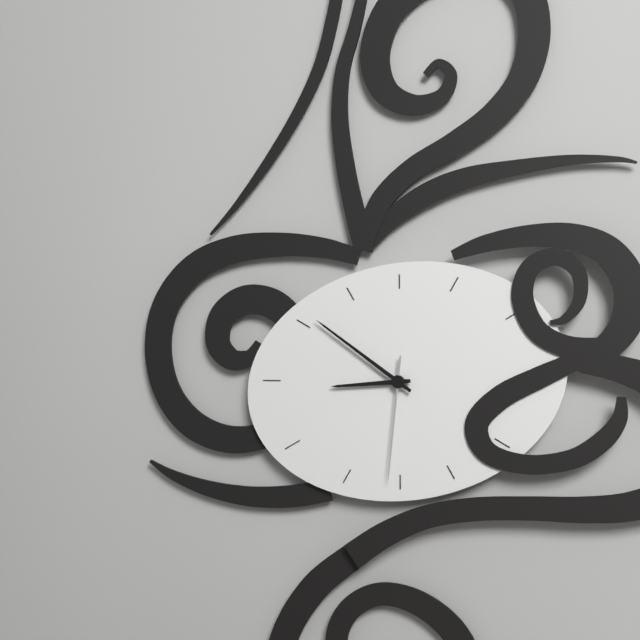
8:51:31
